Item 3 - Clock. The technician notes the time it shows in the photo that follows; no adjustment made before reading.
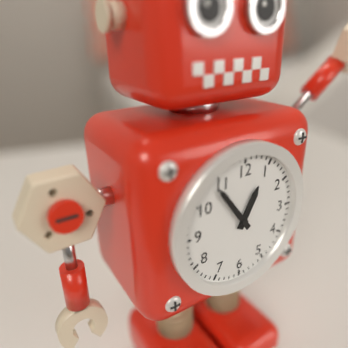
12:54
